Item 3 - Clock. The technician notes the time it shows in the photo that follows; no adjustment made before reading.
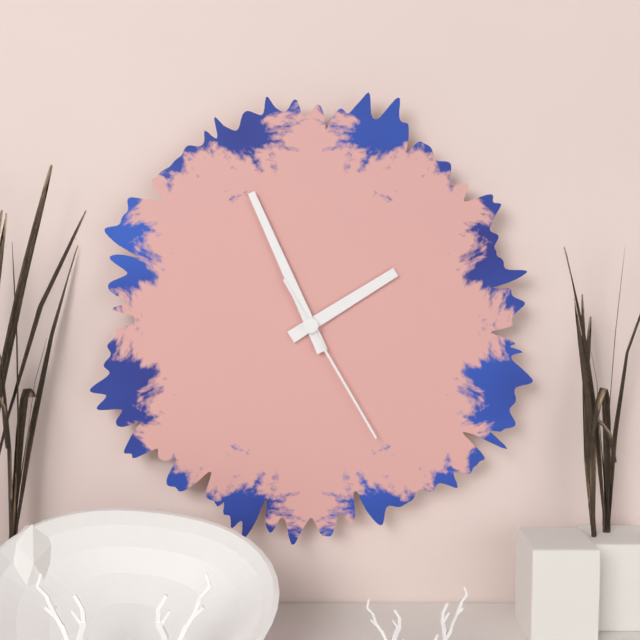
1:56:25
